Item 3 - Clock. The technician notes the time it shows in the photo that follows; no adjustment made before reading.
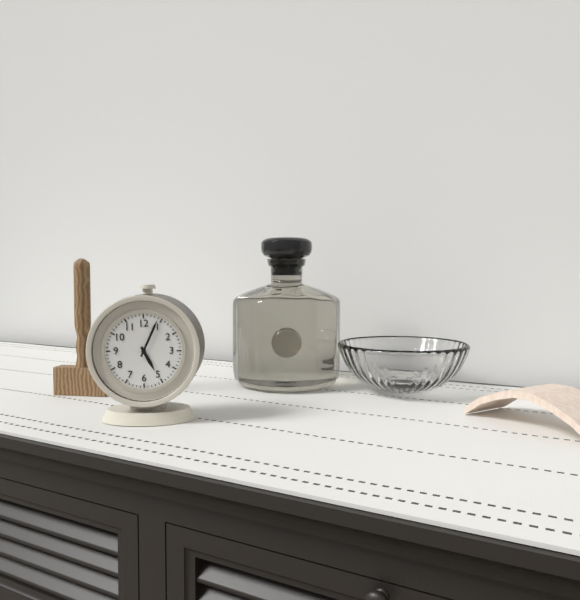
5:04
